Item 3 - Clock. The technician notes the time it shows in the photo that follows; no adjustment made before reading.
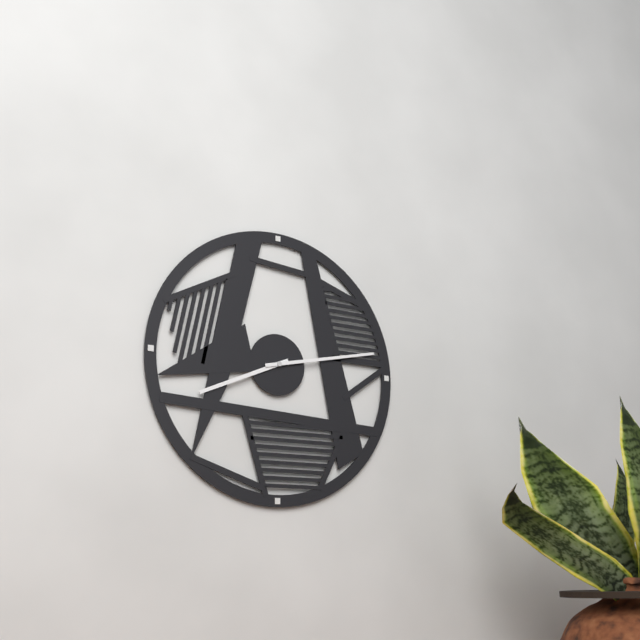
8:13
